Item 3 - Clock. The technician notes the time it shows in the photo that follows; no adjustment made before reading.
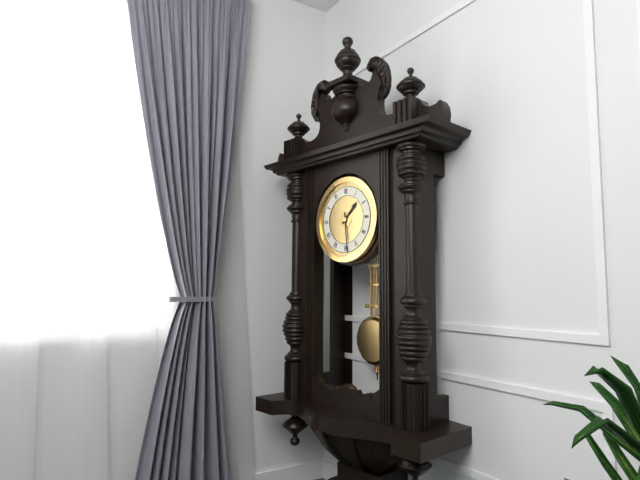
1:29
